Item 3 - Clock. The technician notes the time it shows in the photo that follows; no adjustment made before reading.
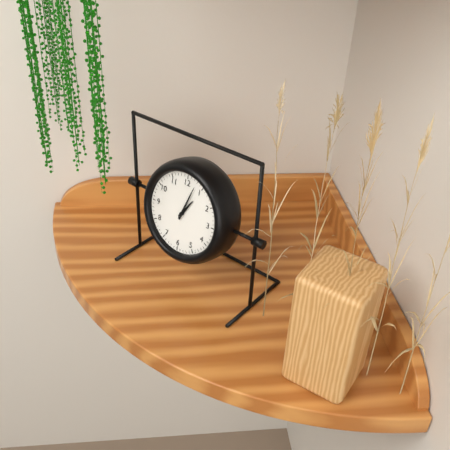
1:03
